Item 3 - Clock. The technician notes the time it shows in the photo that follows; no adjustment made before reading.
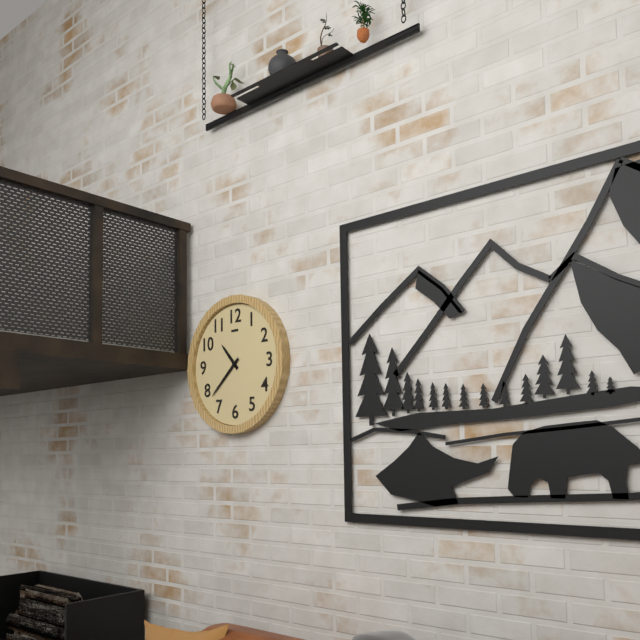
10:38
